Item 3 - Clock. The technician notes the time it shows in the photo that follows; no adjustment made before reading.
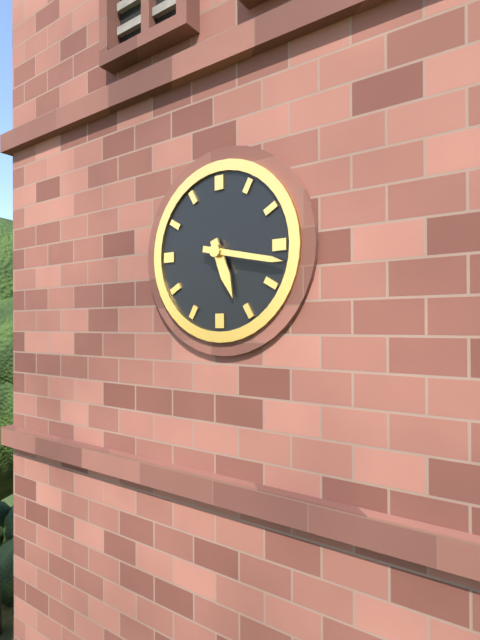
5:17
